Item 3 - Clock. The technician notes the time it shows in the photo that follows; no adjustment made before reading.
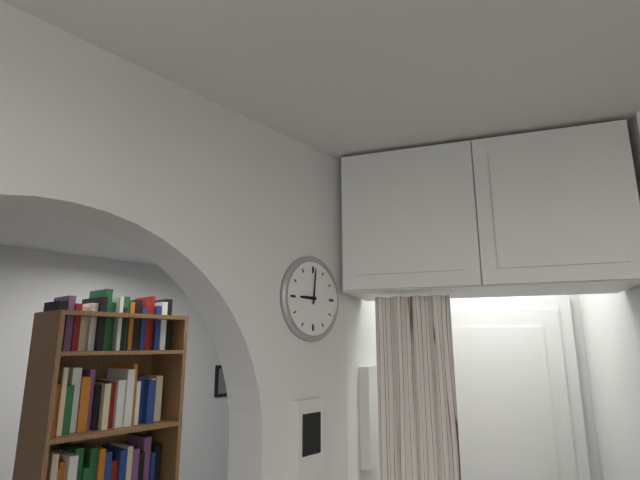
9:01
